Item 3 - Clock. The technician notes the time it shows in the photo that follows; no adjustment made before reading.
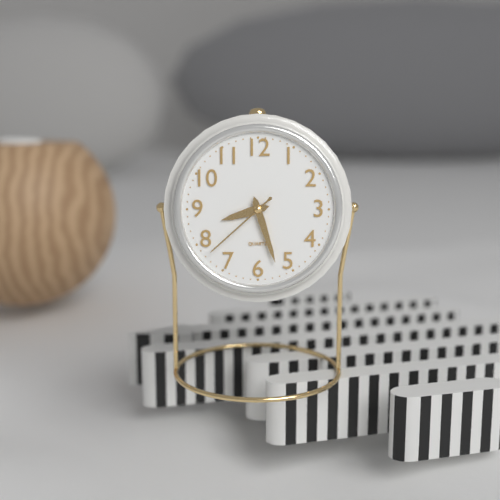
8:27:38
